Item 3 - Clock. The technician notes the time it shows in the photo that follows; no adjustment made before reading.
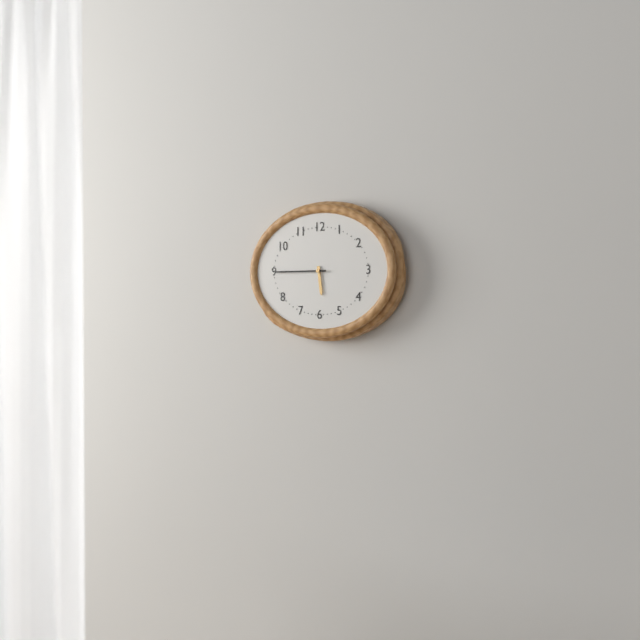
5:45
